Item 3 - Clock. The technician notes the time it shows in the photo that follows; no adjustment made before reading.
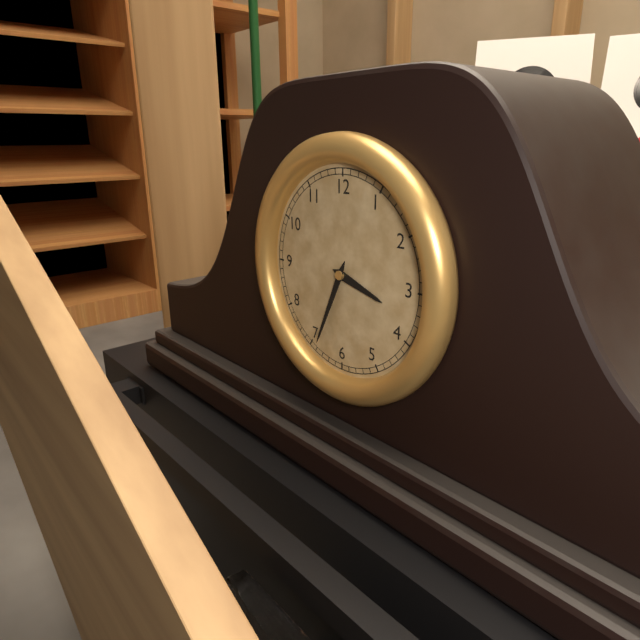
3:34
